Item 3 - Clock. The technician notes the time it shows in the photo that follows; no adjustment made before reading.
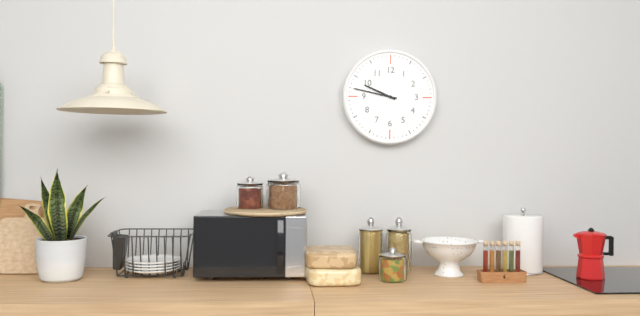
9:47
